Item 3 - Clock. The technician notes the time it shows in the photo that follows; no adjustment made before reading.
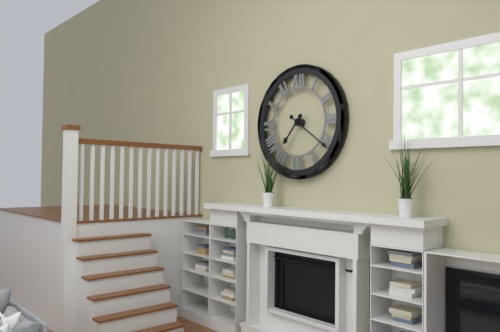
7:21
